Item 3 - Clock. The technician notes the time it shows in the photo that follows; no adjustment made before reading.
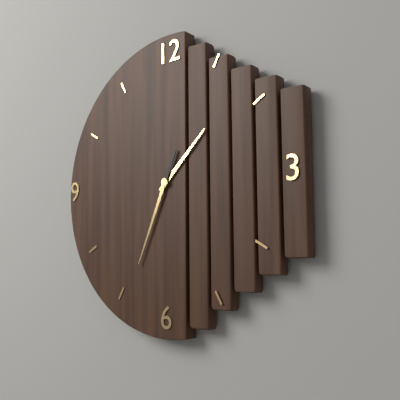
1:34
